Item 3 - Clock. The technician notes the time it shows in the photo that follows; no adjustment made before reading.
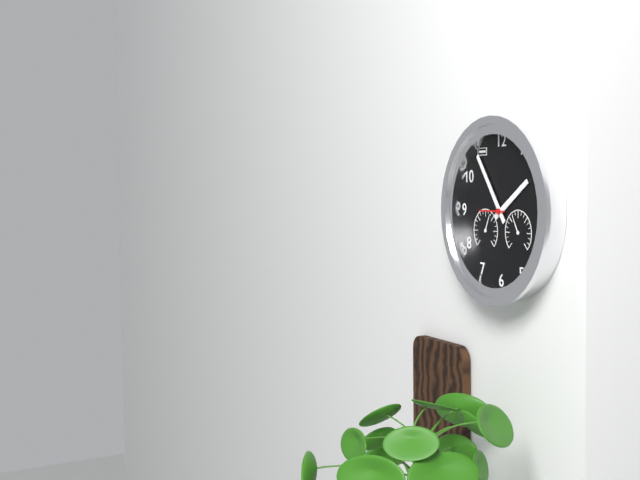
1:54
